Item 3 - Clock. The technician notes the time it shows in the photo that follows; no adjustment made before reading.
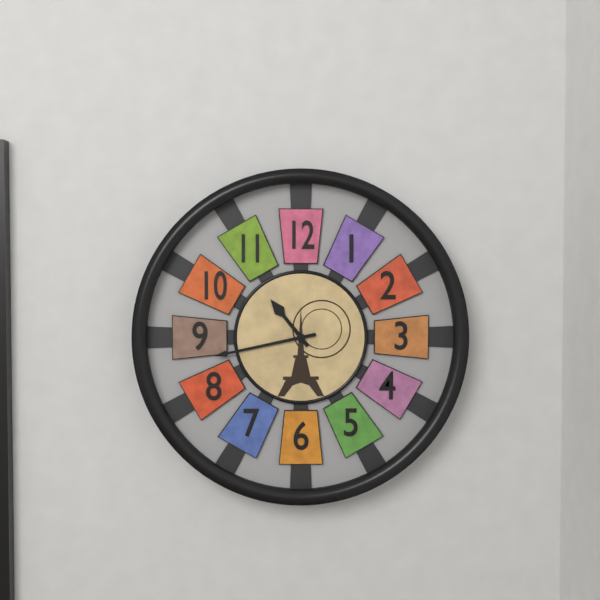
10:43
